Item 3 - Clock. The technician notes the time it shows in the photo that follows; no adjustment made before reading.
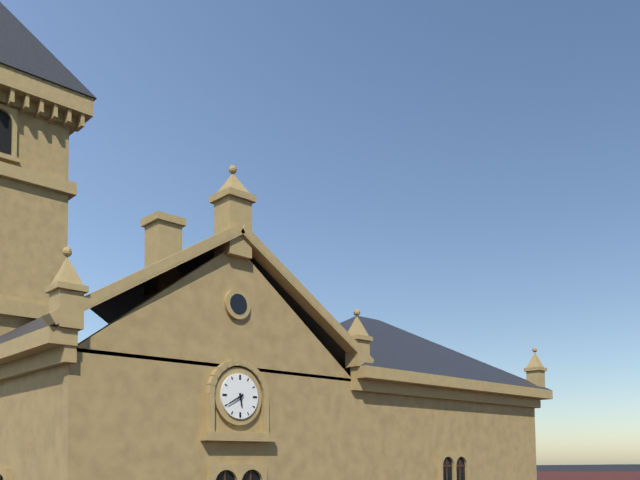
5:40
